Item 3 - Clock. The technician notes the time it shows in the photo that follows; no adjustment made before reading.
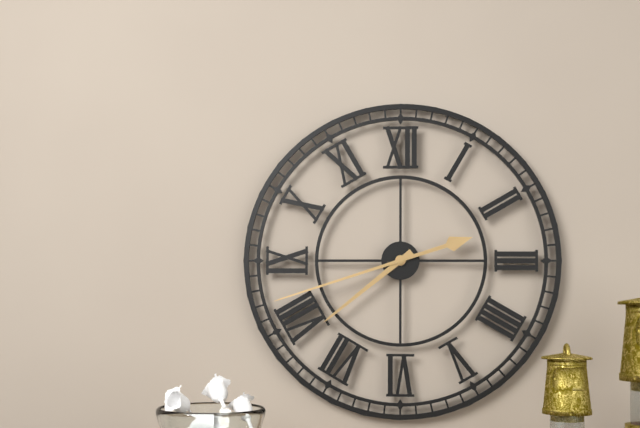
7:42
